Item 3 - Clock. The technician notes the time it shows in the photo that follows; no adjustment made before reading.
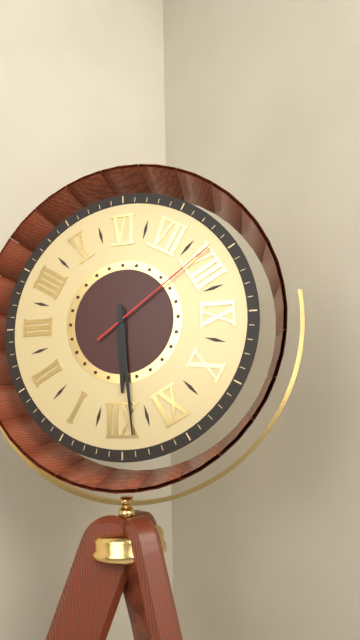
11:59:39
